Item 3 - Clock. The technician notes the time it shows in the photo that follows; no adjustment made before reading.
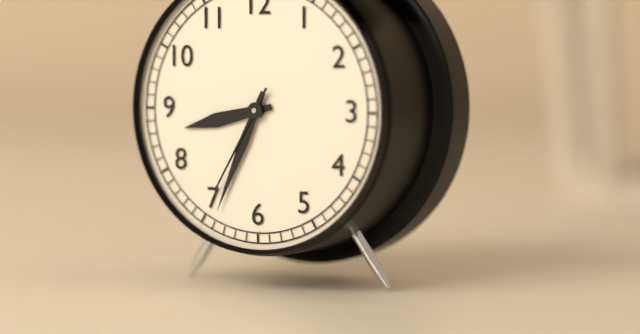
8:34:35
